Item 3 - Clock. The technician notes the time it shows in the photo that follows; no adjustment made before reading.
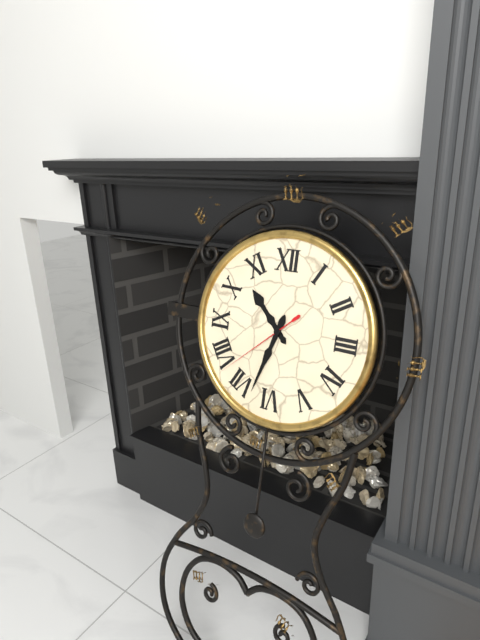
10:33:38
